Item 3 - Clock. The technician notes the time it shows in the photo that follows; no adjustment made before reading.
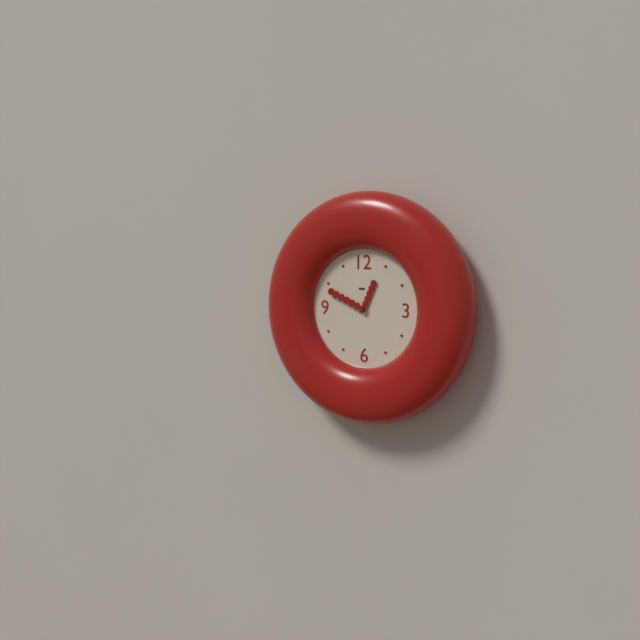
12:49
